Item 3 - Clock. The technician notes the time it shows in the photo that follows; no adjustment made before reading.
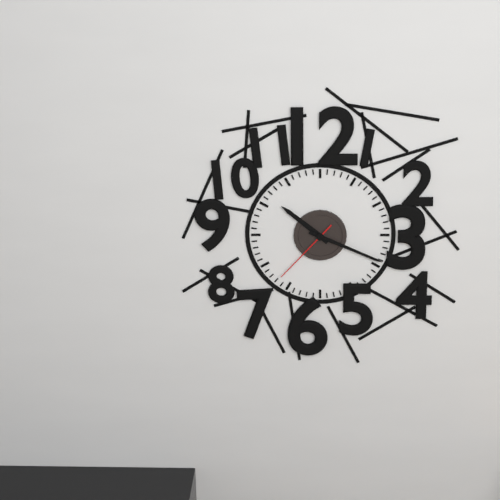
10:19:37
